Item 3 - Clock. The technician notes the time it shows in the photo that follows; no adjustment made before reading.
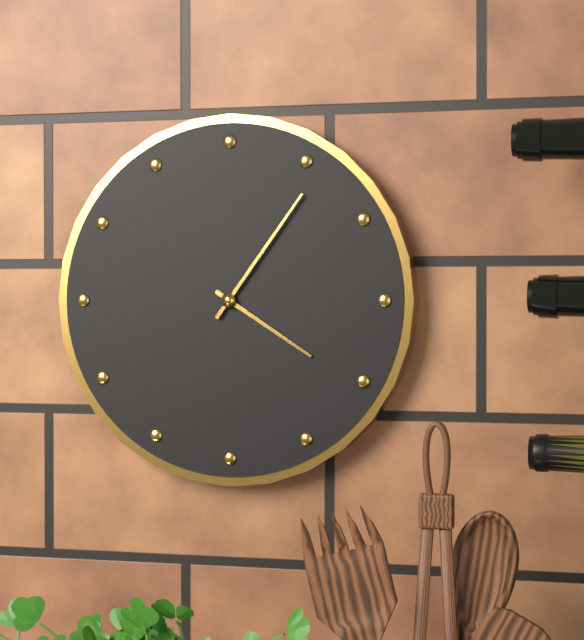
4:06
